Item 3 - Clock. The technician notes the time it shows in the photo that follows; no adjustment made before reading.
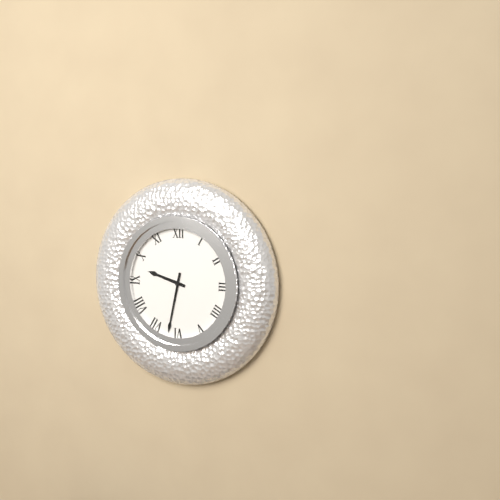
9:32
